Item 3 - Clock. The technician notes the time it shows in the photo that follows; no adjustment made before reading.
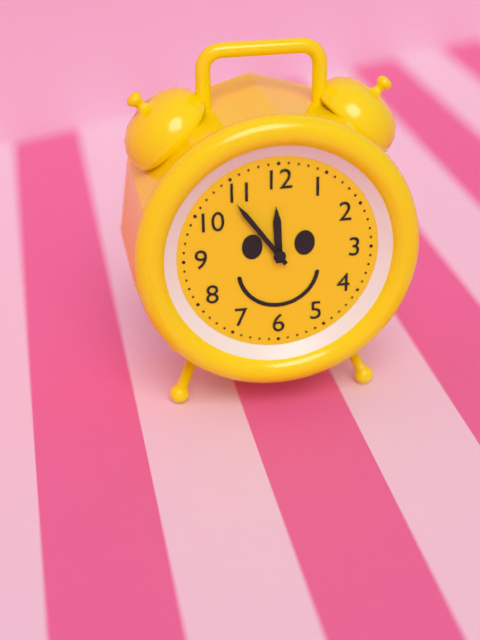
11:54
